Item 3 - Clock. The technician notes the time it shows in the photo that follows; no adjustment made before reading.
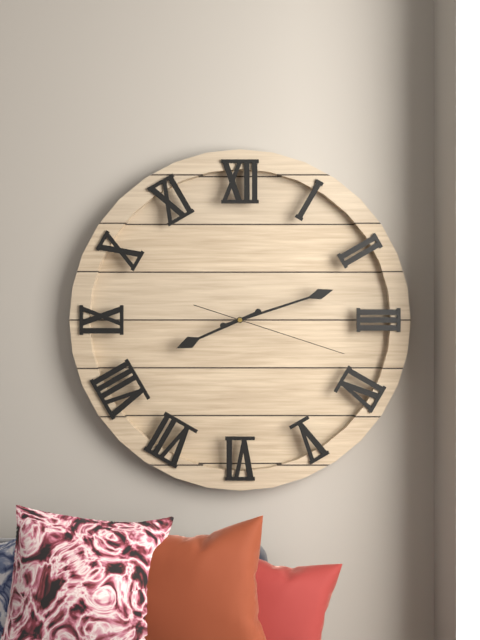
8:12:18
